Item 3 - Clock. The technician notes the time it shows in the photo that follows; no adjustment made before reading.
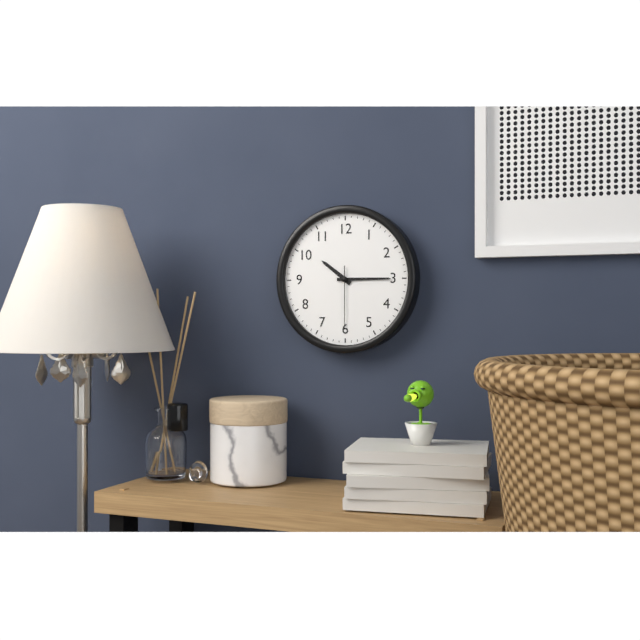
10:15:30
